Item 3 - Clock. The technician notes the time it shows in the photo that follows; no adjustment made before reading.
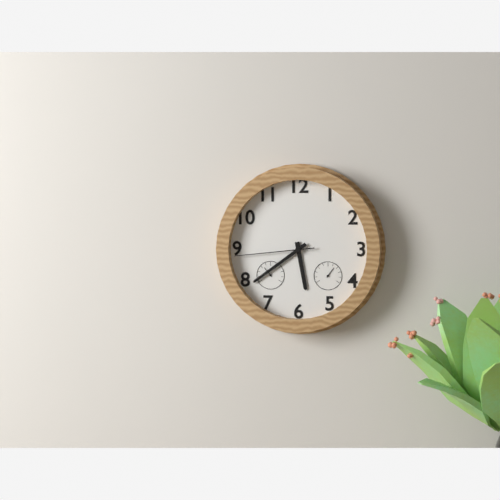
5:39:44
